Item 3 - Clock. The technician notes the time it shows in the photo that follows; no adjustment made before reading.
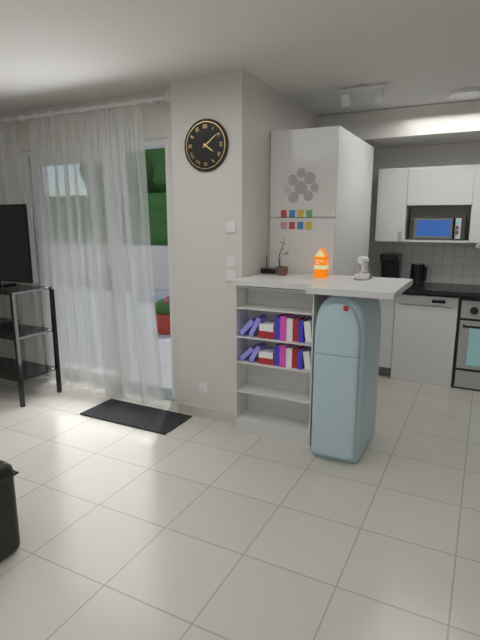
4:09
